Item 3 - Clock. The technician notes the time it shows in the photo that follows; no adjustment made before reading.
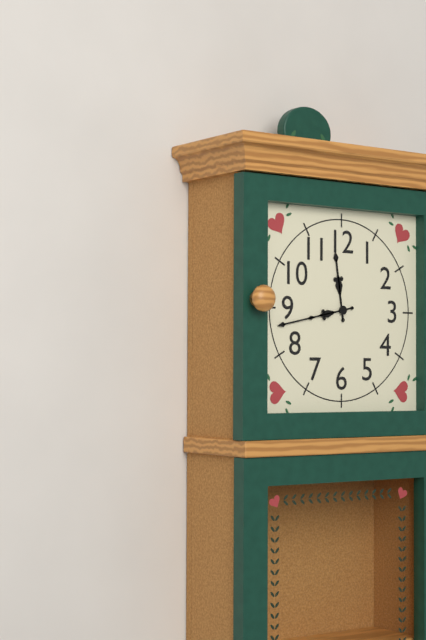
11:43
